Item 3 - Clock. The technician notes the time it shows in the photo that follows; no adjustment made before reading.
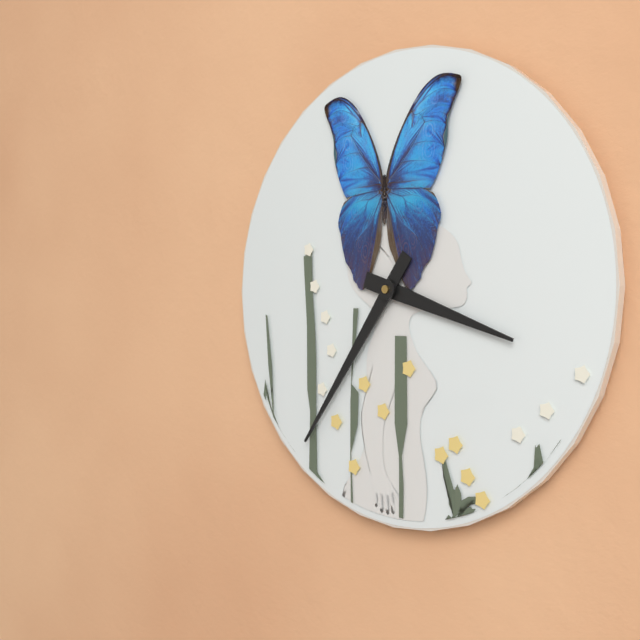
3:36
